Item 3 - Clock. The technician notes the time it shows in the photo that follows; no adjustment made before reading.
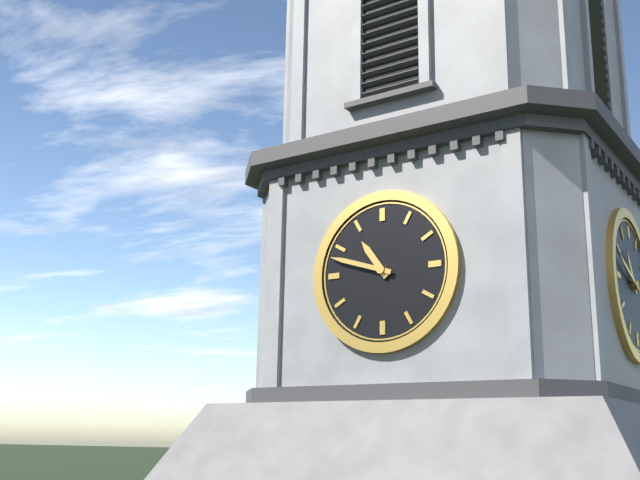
10:48
